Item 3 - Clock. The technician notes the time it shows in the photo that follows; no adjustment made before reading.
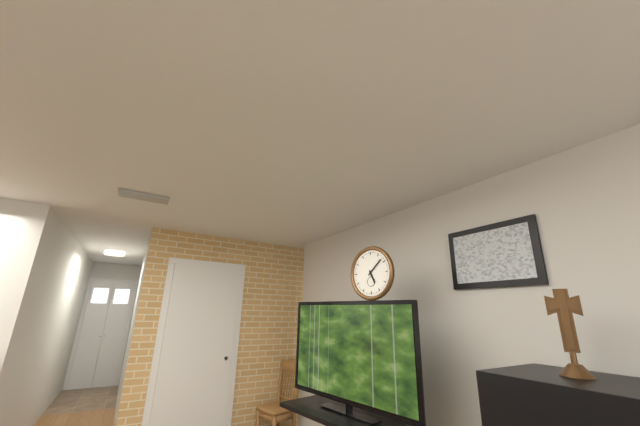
5:08
